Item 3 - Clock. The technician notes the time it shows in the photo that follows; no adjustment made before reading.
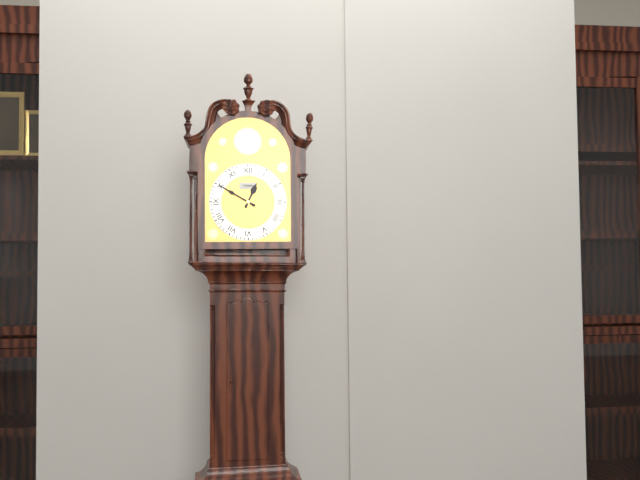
12:50
